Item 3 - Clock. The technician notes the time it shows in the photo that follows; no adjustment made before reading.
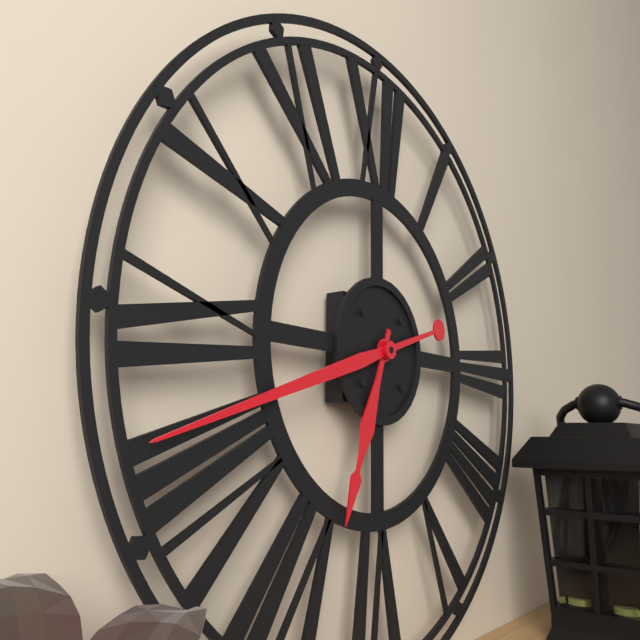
6:42
